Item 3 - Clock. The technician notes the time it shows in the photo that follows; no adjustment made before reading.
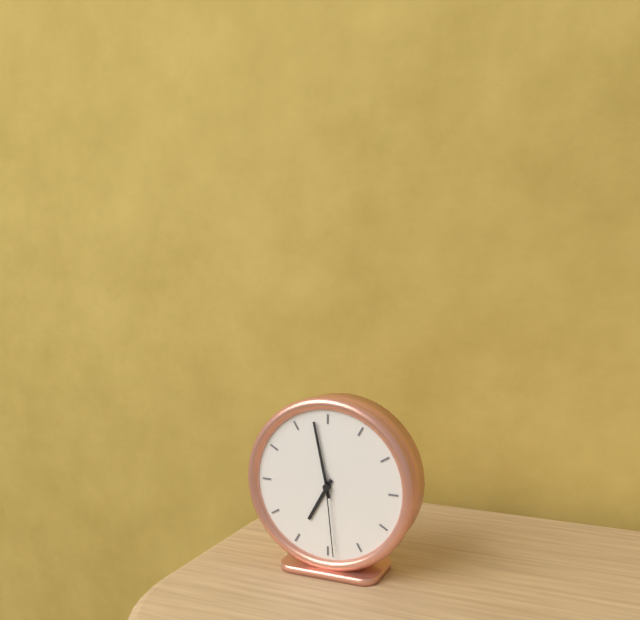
6:58:29
